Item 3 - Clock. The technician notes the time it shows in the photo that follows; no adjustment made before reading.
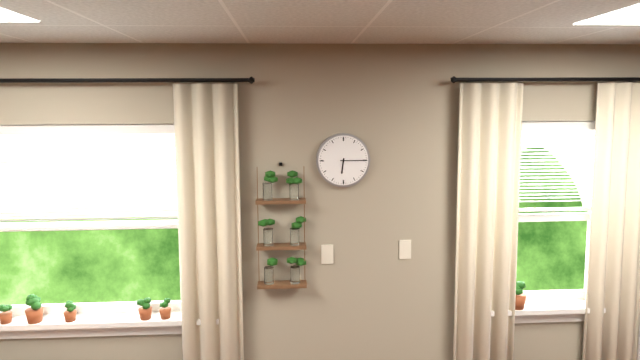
6:15
